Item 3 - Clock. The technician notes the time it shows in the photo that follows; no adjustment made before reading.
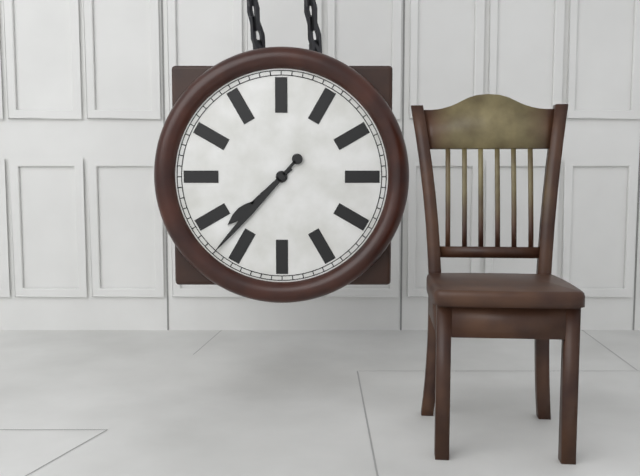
7:37
